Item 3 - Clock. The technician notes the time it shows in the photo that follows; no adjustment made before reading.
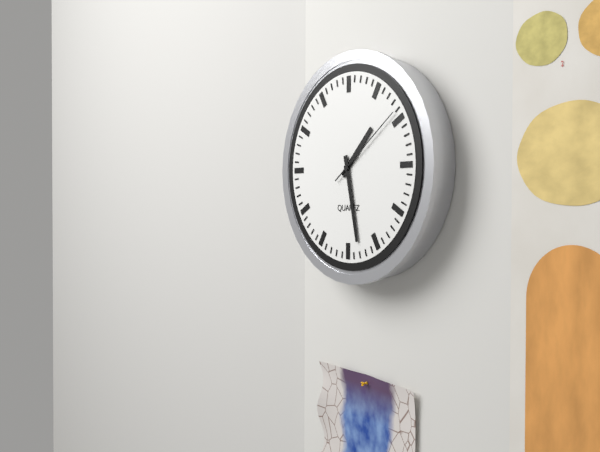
1:28:09
